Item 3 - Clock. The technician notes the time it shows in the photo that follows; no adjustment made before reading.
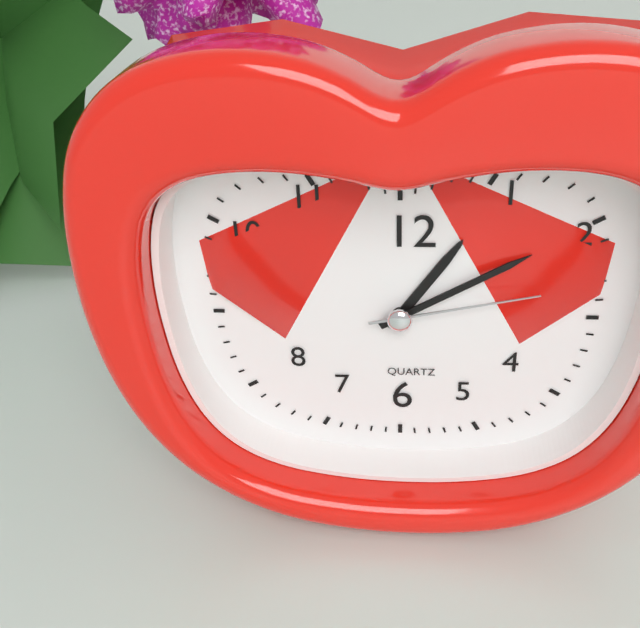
1:10:13
